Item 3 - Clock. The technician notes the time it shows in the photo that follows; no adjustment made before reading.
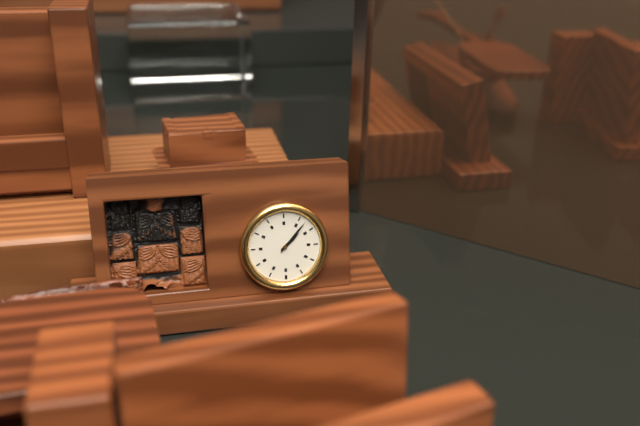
7:37
